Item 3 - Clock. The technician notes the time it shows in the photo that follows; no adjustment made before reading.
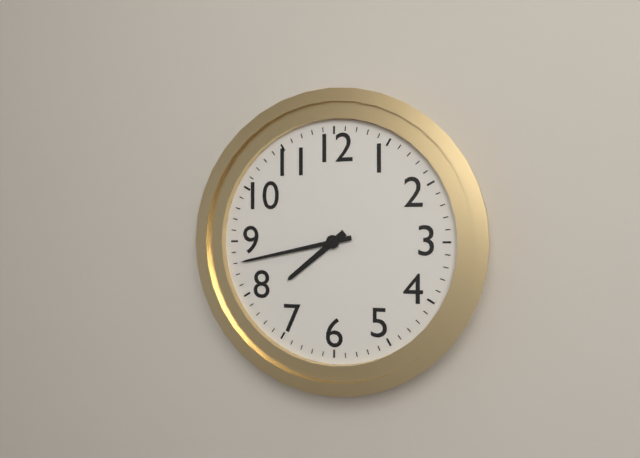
7:43
